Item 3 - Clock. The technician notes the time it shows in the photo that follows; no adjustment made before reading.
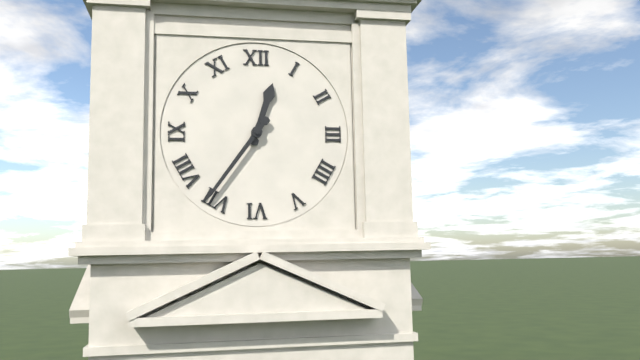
12:36
